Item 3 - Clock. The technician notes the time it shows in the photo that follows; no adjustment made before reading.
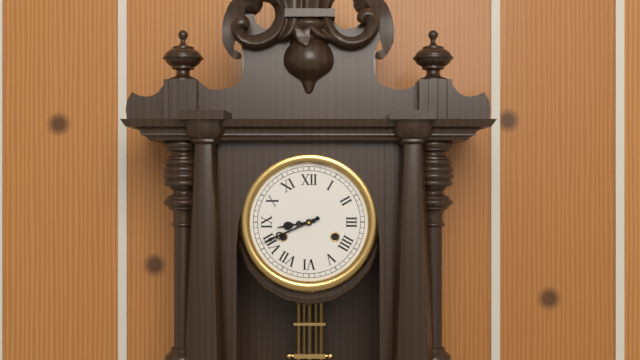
8:41
